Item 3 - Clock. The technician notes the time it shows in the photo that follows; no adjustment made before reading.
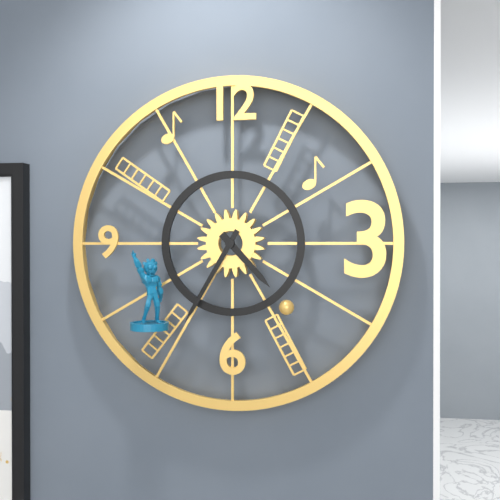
4:35
